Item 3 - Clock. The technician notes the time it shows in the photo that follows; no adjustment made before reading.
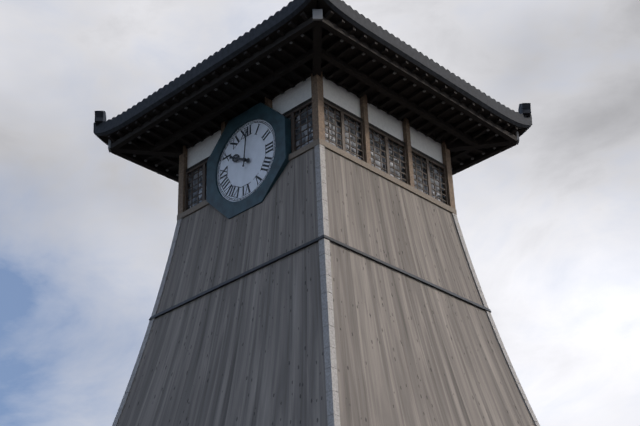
10:01
